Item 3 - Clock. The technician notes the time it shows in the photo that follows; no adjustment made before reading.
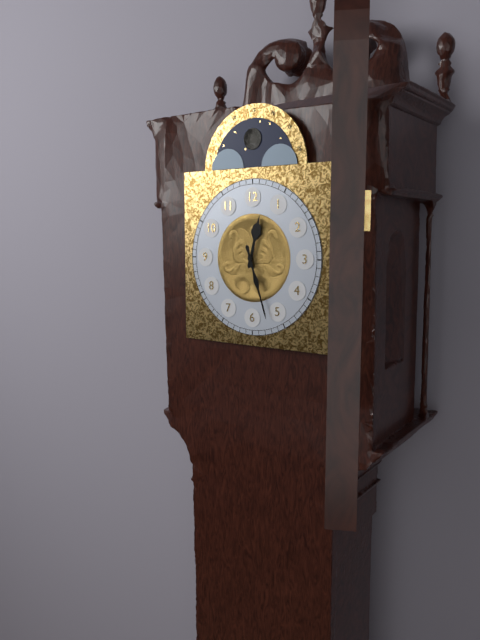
12:27
